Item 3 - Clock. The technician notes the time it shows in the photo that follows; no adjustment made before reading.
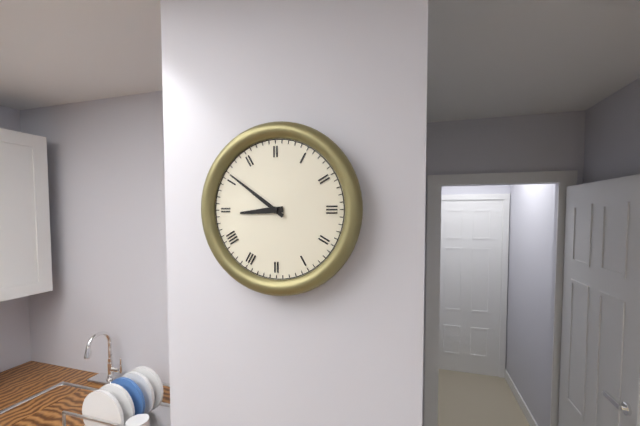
8:51
